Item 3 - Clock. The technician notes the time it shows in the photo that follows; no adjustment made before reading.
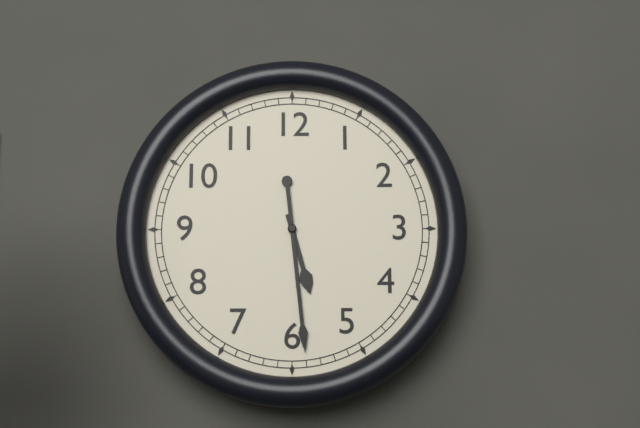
5:29
